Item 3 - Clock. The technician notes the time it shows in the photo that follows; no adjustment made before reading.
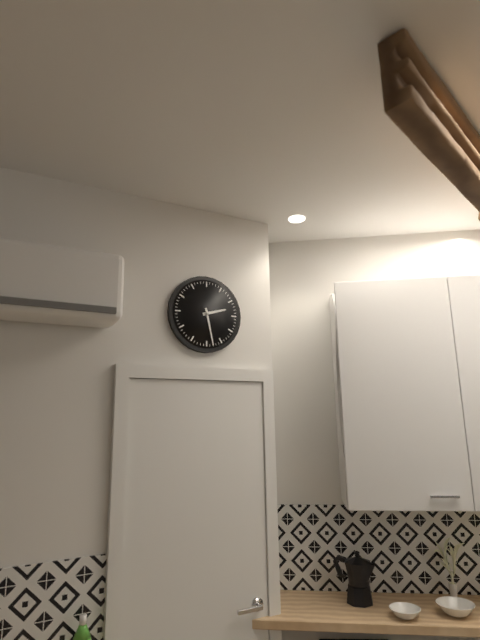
2:28
